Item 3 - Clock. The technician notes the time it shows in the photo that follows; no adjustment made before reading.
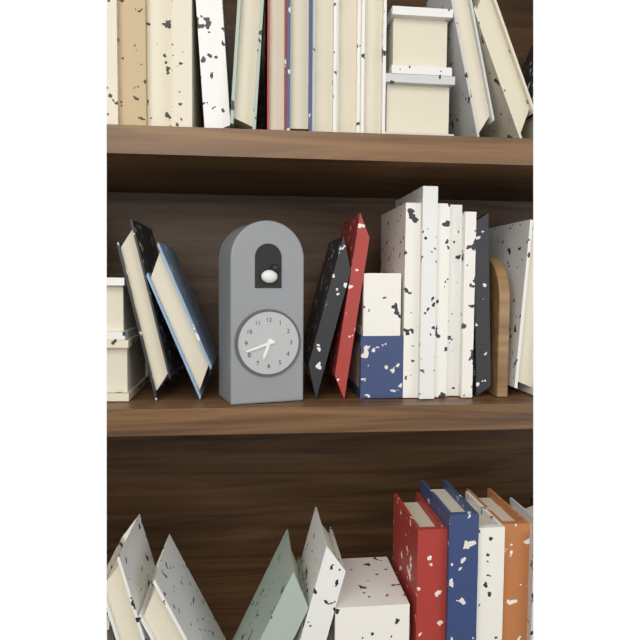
6:42
